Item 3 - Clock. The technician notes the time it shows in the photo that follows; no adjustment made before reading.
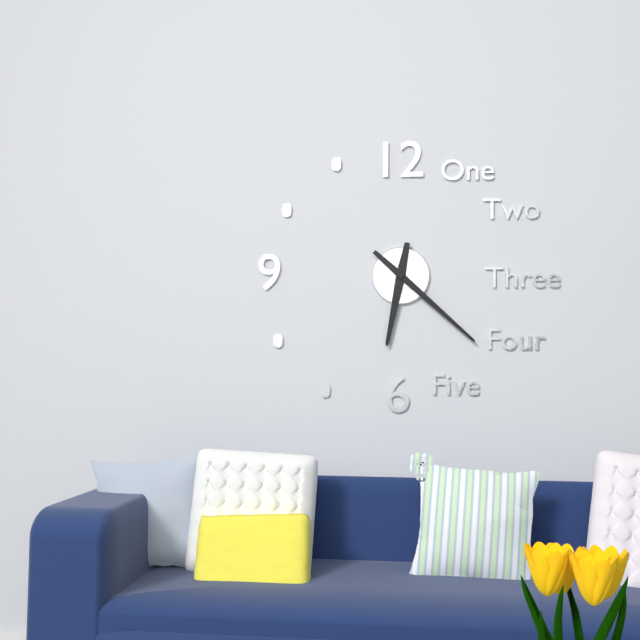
6:22
